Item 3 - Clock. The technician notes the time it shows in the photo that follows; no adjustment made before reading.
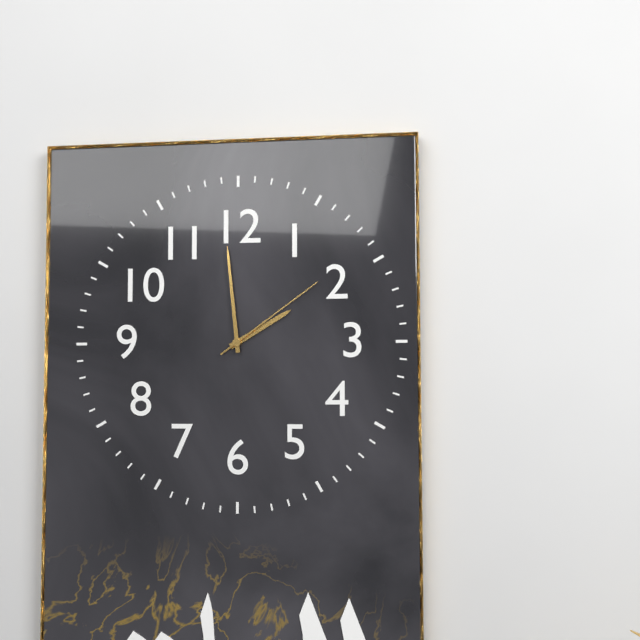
1:59:09
